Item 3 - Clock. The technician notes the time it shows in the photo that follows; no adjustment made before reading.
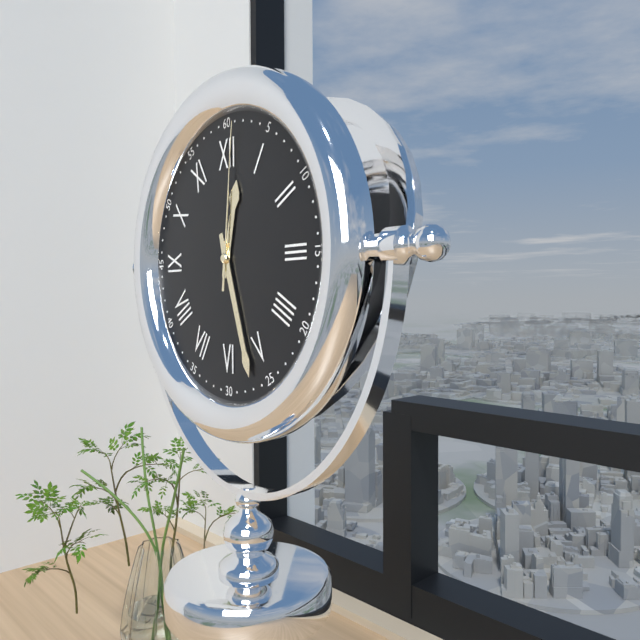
12:27:01
